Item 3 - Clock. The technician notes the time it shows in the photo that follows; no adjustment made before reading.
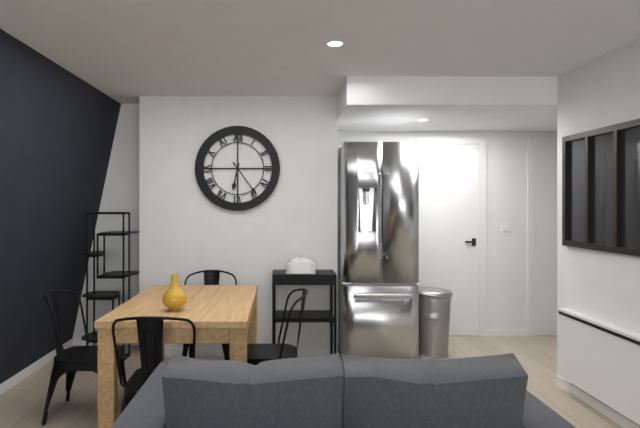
6:24
